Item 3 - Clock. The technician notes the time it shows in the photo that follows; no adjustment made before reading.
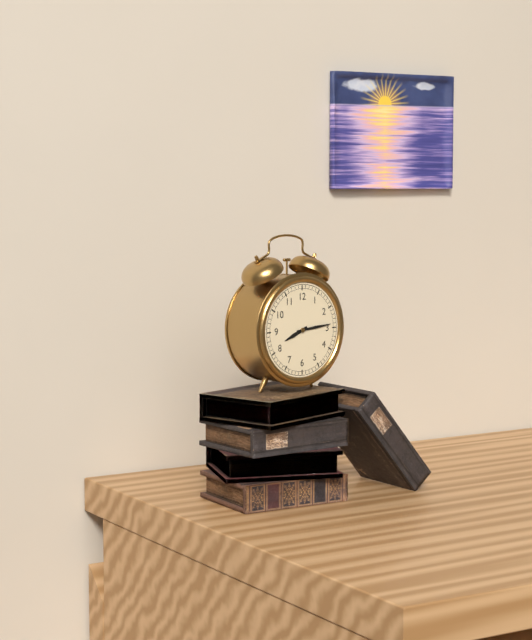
8:14
